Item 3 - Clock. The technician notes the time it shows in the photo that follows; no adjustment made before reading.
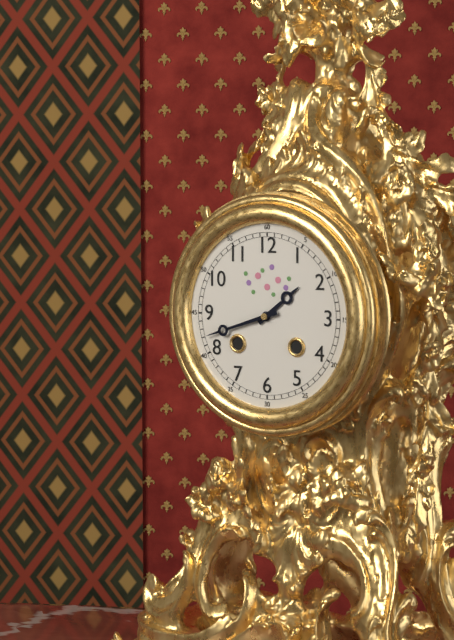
1:42
